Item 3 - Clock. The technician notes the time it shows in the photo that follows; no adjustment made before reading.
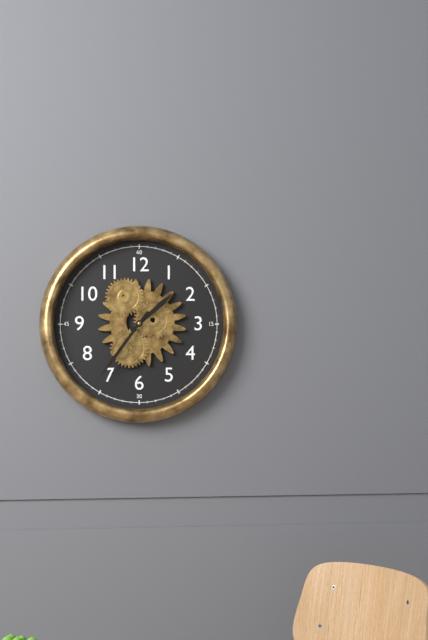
1:36
